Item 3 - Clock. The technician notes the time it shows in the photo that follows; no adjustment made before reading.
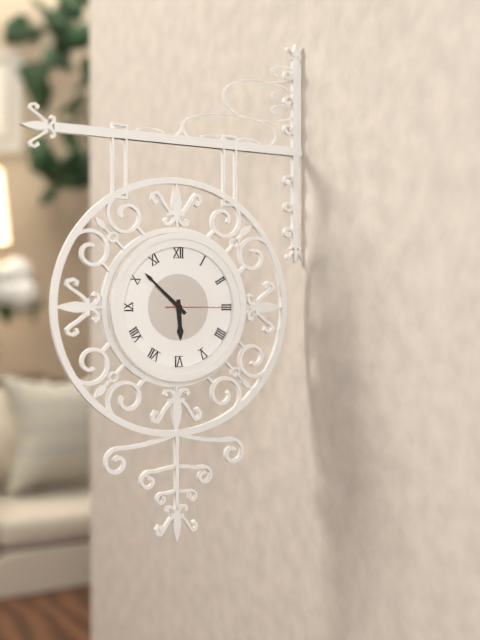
5:52:15
